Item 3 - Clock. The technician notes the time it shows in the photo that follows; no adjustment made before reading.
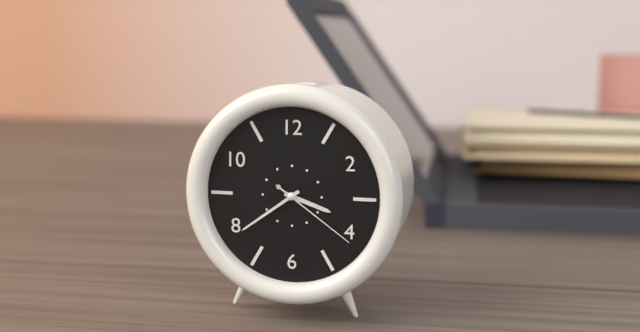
3:39:21
